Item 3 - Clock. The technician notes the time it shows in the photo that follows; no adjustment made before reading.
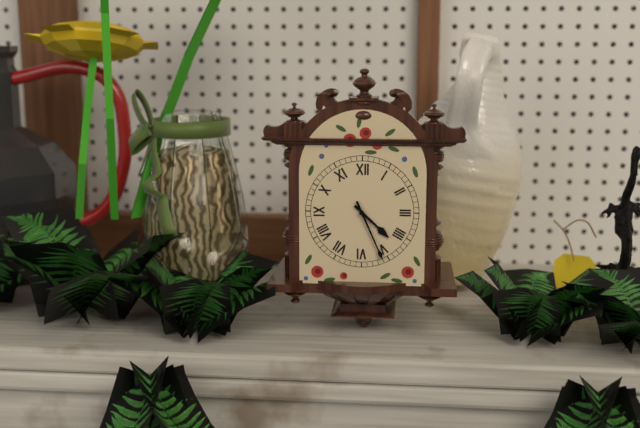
4:26
